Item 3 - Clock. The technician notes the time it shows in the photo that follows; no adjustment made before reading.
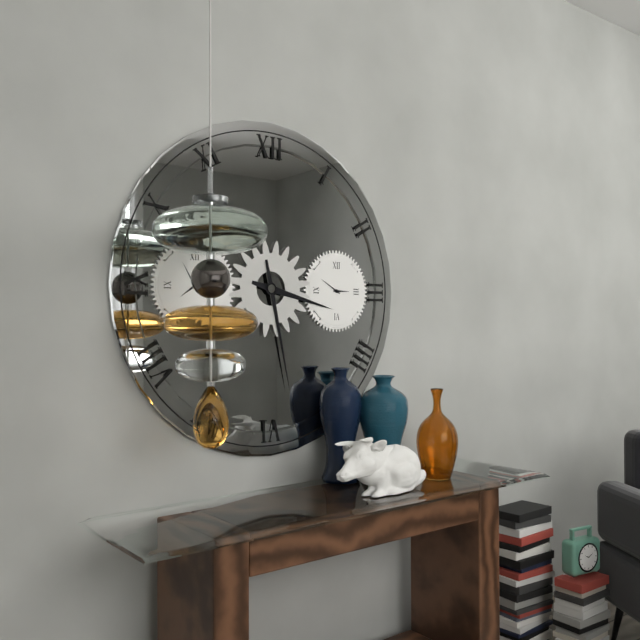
3:28
